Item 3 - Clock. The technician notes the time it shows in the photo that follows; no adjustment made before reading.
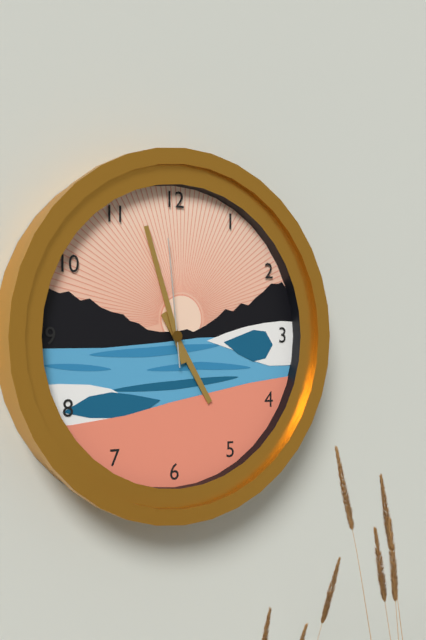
4:57:59
